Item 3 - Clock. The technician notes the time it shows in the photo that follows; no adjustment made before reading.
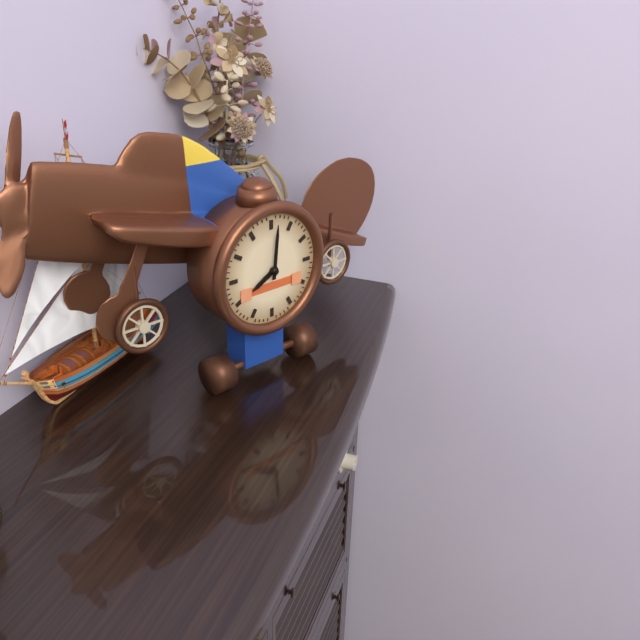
8:01
